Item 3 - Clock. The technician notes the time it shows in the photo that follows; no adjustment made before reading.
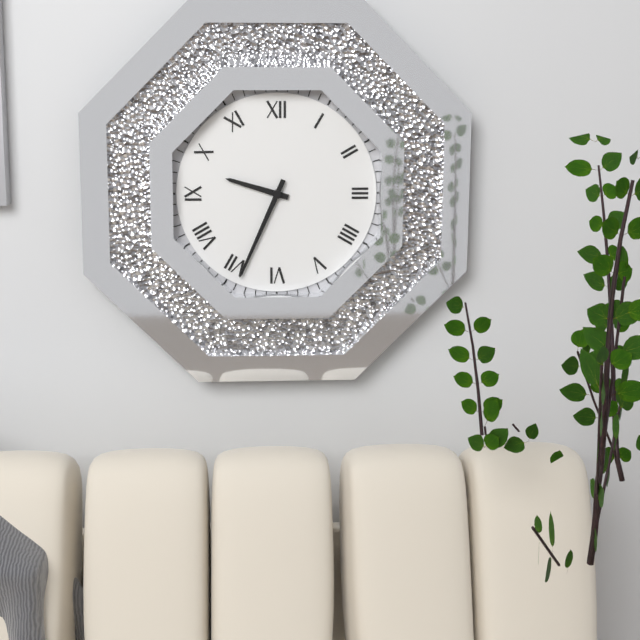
9:34
